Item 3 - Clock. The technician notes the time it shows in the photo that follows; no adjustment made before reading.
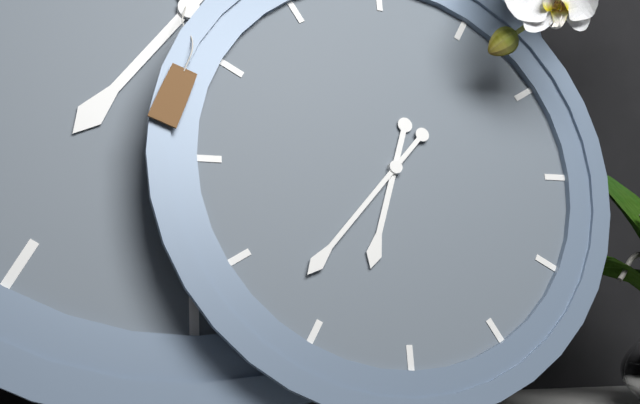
6:37
